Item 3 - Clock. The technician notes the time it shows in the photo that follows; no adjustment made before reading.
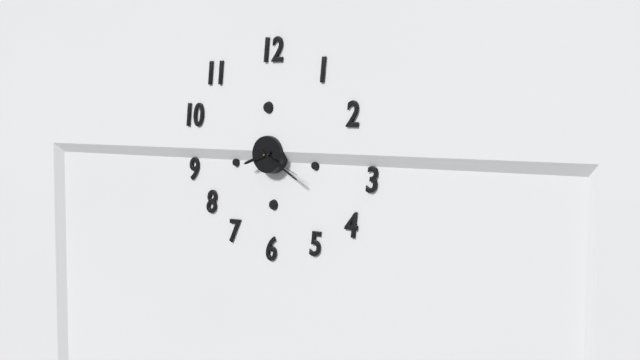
8:20
